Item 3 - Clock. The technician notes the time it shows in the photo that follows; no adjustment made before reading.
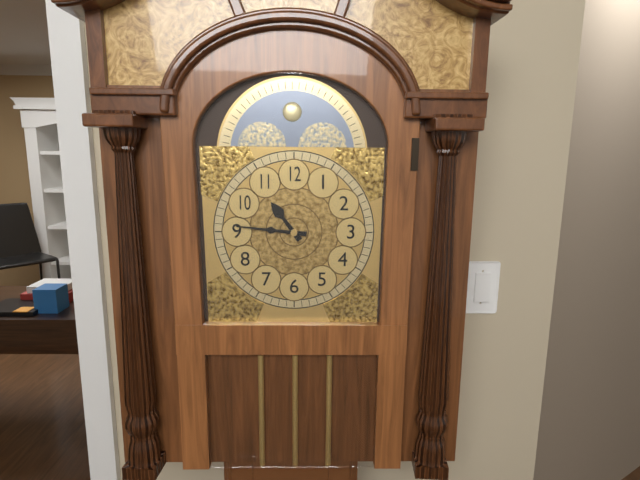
10:46
